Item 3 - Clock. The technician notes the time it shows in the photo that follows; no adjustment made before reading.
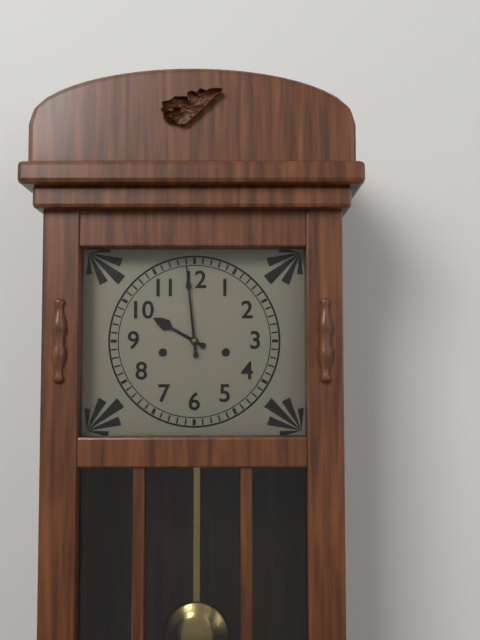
9:59
